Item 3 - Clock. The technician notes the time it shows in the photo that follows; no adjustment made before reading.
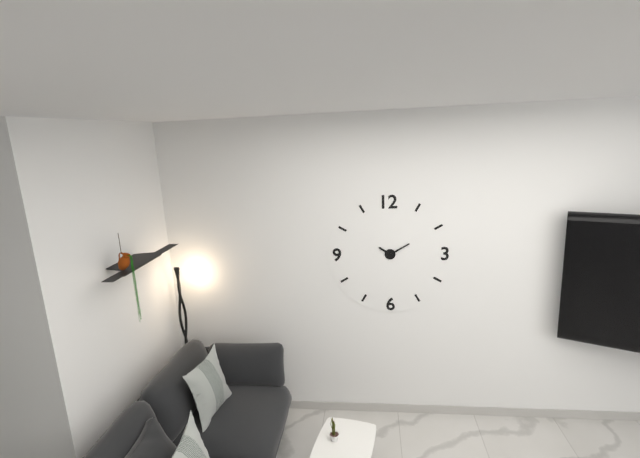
10:10
